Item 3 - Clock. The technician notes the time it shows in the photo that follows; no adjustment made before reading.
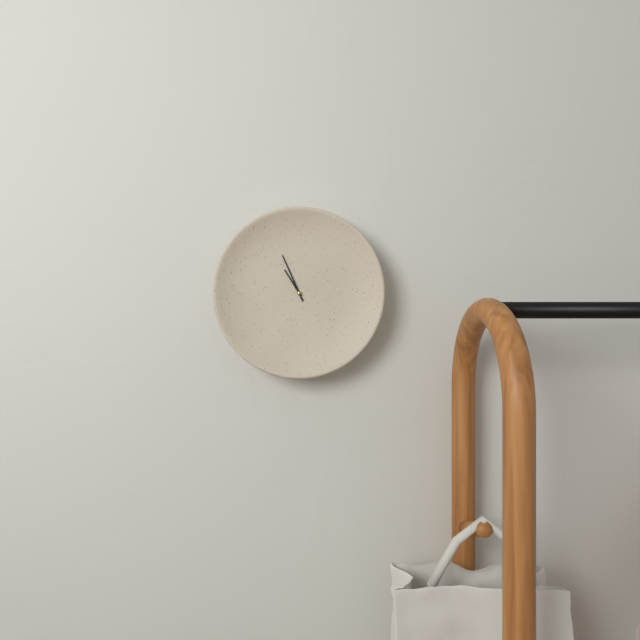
10:56
